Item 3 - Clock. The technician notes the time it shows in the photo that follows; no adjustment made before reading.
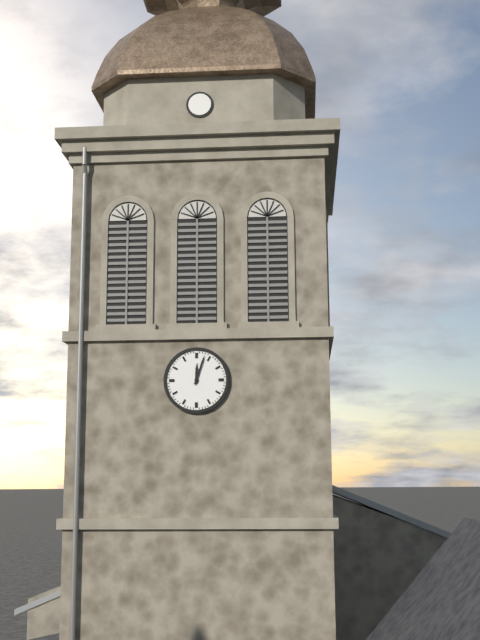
12:03
